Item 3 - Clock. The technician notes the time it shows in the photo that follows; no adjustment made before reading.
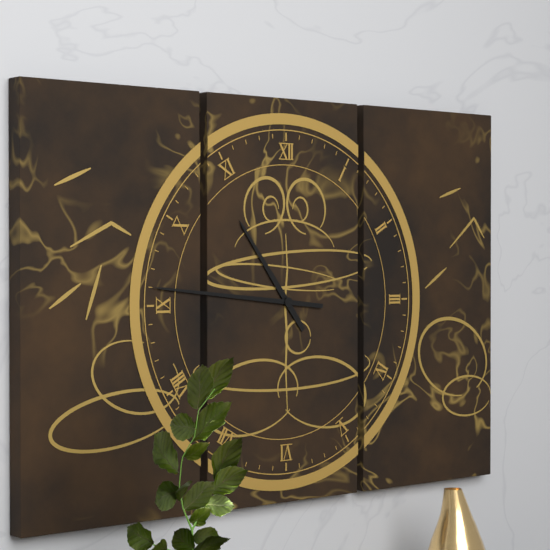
10:46
